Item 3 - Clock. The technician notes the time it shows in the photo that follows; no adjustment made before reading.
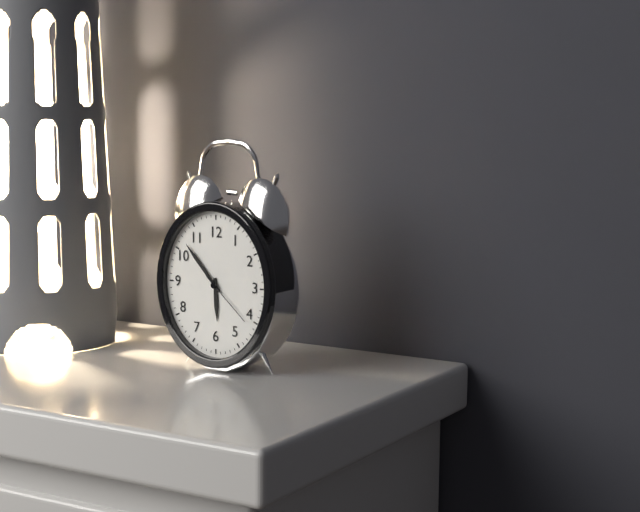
5:53:22
